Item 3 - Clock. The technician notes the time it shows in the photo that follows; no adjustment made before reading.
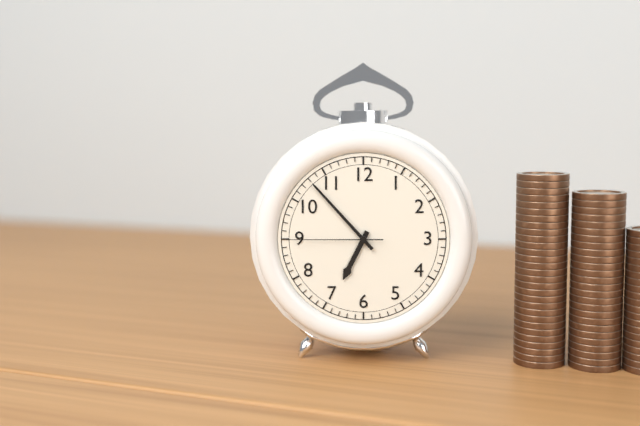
6:53:45
